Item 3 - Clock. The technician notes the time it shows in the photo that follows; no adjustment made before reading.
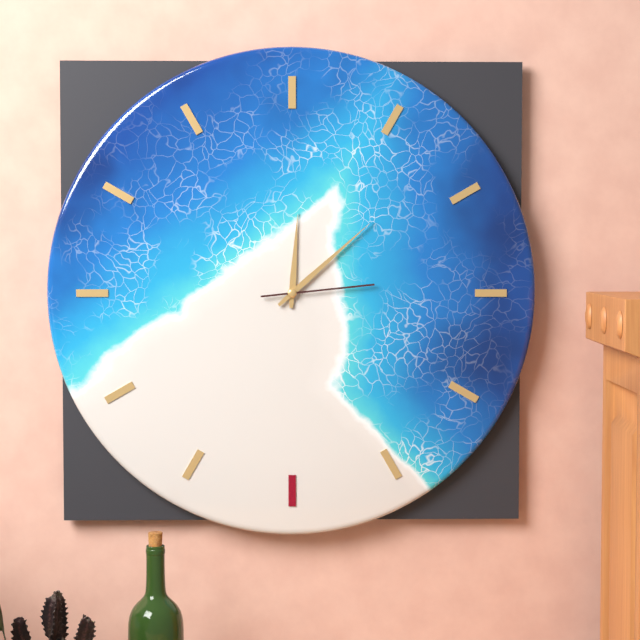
12:08:14
